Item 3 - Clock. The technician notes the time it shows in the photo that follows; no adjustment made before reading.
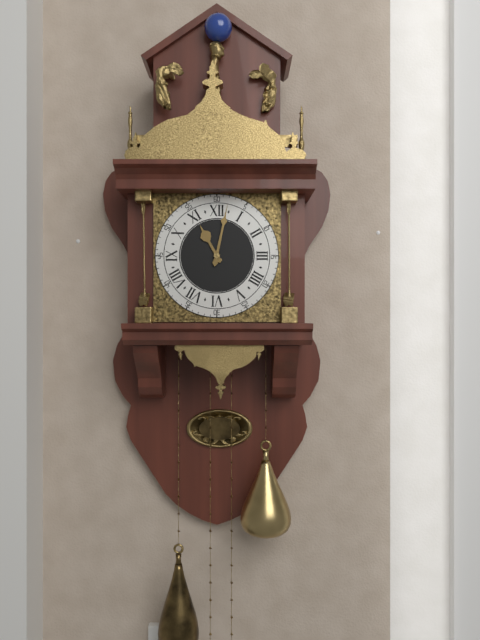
11:02
